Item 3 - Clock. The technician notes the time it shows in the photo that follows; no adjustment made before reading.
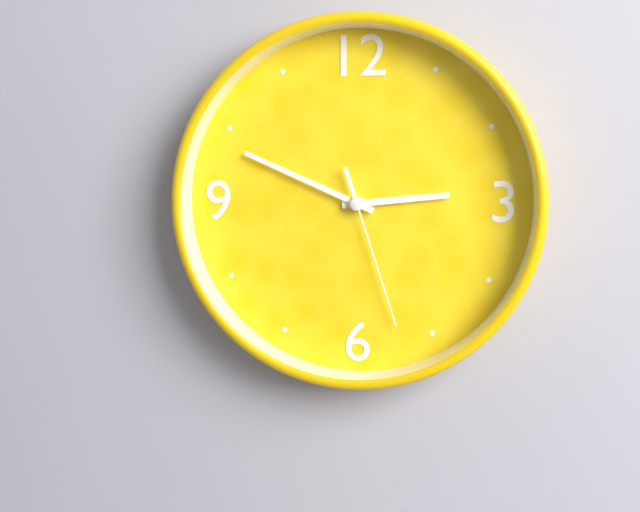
2:49:27
